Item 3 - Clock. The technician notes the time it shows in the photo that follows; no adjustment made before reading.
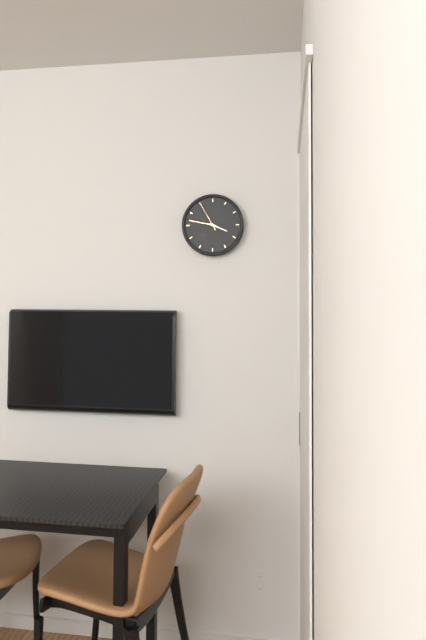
3:47
